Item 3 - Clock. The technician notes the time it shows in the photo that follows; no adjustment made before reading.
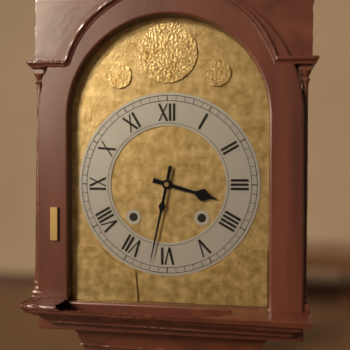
3:32
